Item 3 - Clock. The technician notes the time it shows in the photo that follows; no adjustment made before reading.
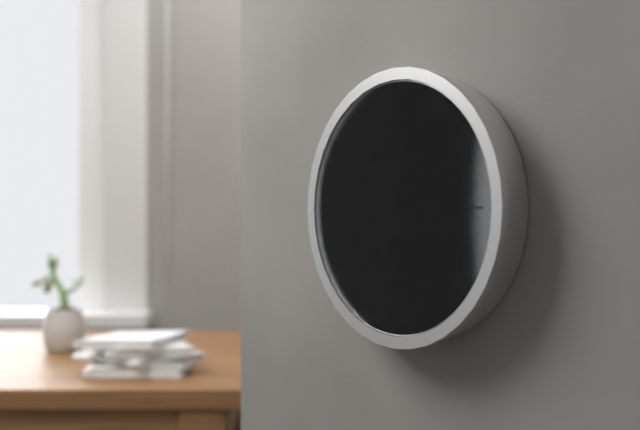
12:14
